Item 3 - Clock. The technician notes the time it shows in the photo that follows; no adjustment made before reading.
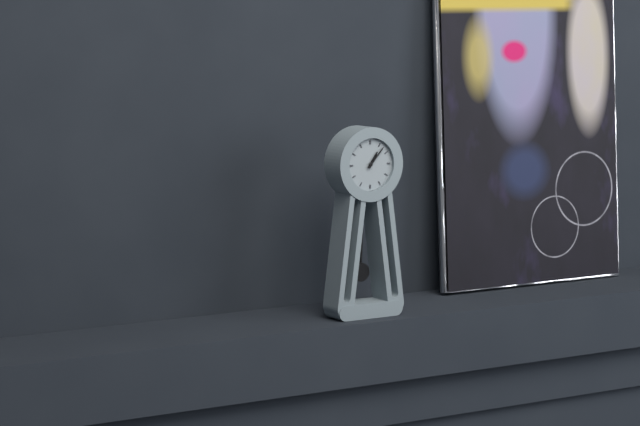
1:07
